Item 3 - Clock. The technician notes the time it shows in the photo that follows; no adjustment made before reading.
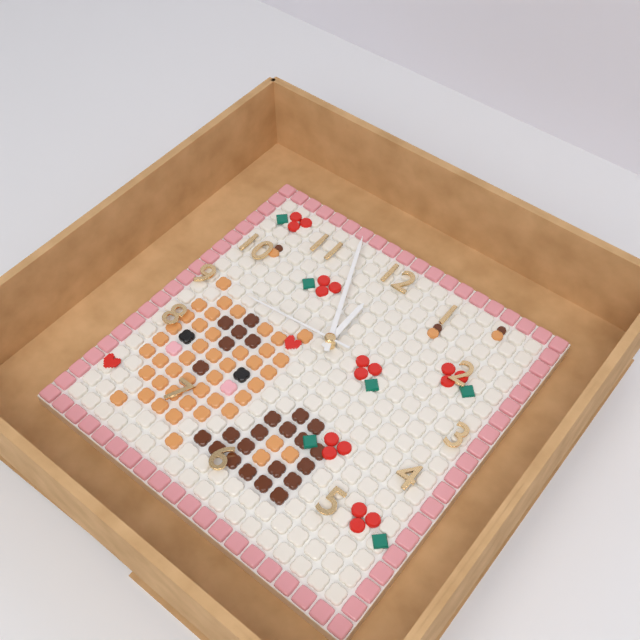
11:56:44
